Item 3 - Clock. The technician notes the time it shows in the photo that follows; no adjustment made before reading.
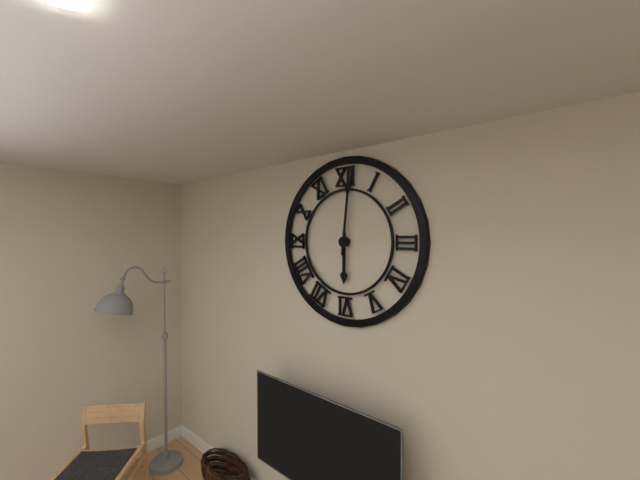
6:01
